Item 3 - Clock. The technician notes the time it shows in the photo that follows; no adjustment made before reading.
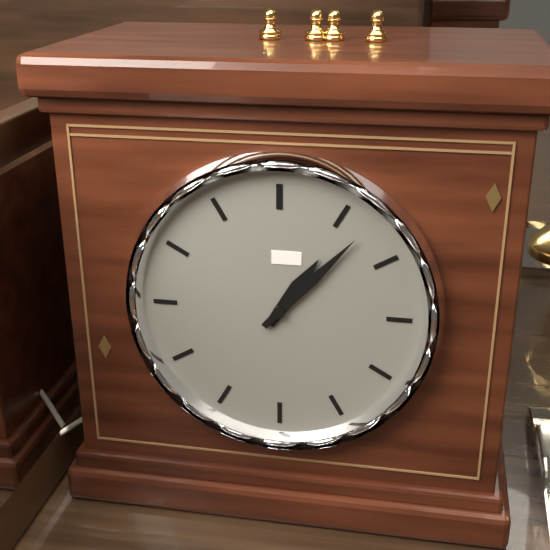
1:07
